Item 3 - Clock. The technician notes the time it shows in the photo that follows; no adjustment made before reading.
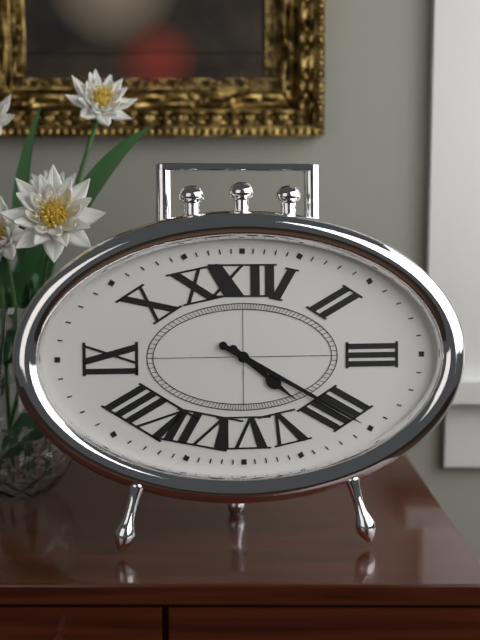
4:20
